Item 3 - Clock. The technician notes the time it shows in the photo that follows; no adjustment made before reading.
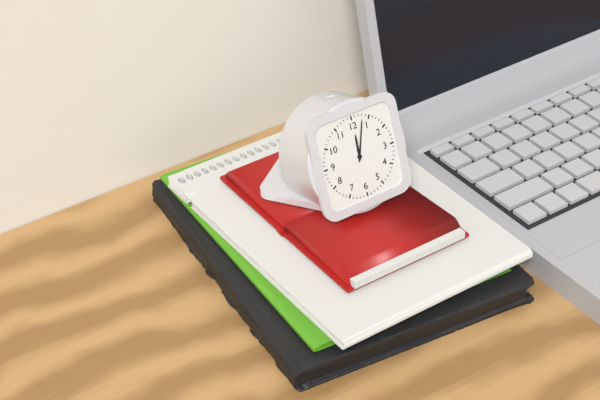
12:03
